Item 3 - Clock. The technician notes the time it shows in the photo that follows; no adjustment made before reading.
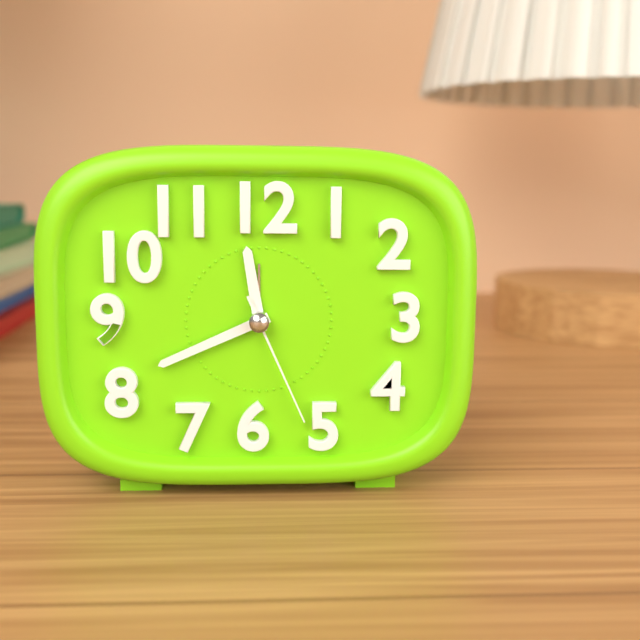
11:41:26
